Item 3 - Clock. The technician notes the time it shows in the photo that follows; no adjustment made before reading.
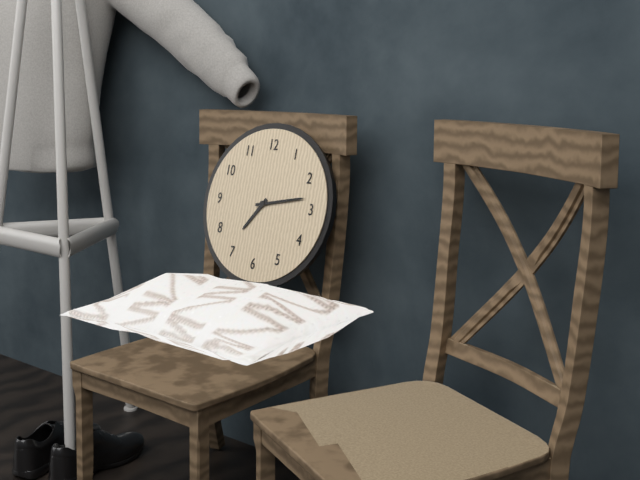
7:13
